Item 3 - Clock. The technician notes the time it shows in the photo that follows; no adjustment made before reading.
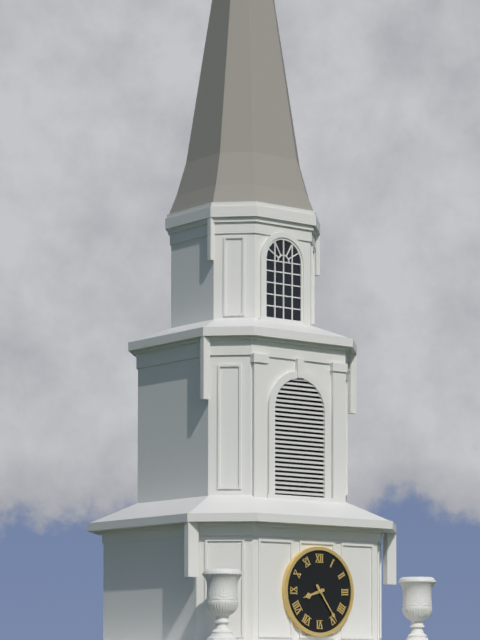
8:24
